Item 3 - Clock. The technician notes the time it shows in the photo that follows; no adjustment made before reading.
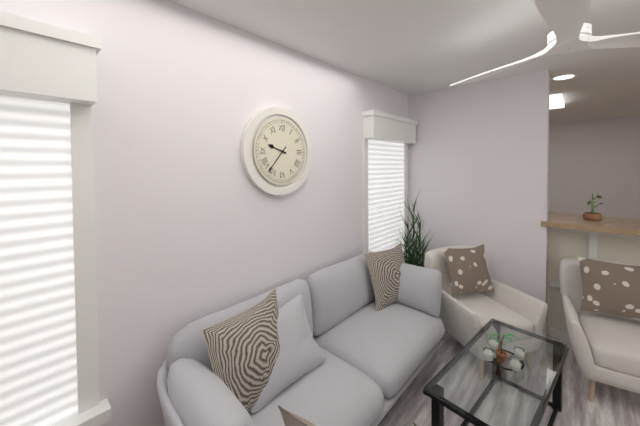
9:37
